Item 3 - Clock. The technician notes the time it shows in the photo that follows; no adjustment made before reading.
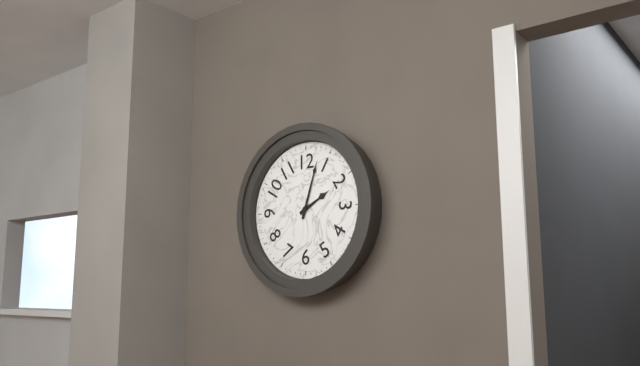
2:03
